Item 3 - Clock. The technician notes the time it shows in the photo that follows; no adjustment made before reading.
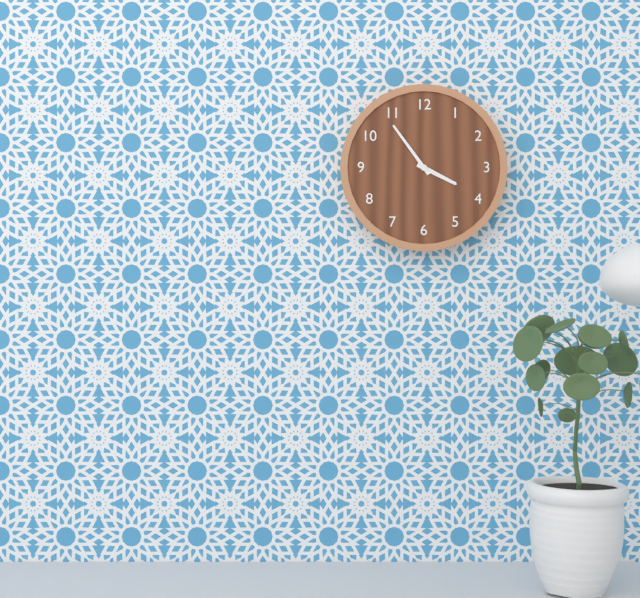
3:54
